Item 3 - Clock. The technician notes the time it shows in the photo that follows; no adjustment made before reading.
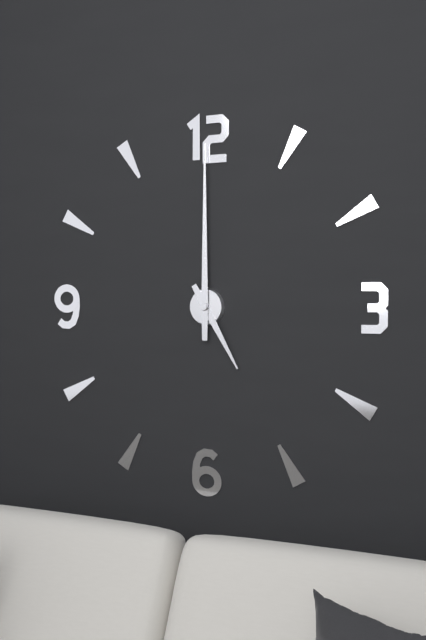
5:00
